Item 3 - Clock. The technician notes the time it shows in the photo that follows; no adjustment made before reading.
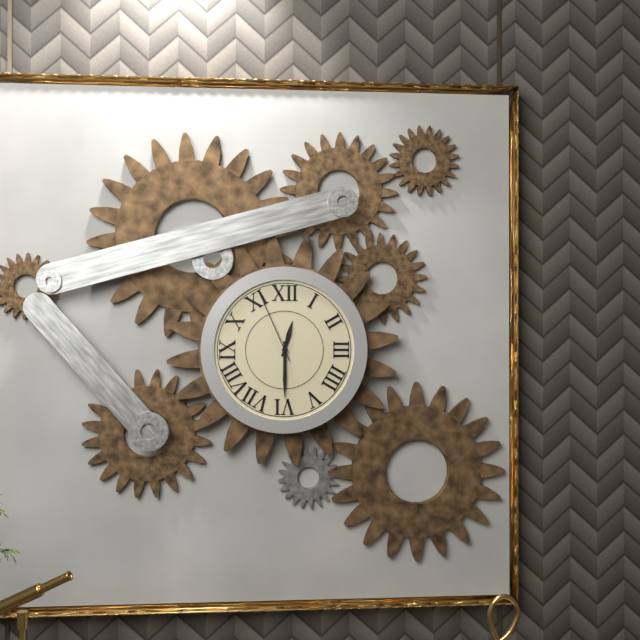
12:30:56
